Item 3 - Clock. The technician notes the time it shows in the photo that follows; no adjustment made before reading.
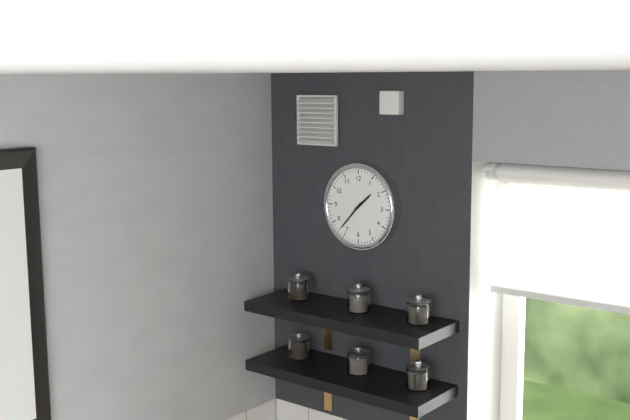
1:37
